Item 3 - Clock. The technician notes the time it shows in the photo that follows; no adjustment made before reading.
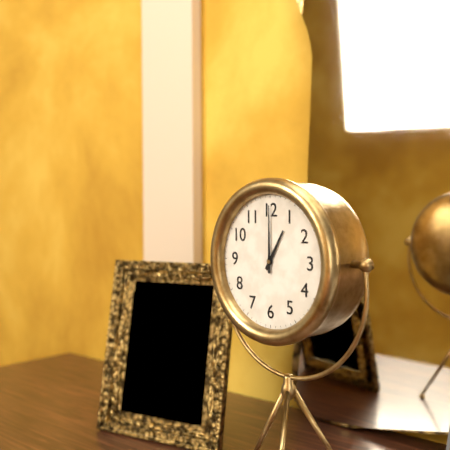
1:00
